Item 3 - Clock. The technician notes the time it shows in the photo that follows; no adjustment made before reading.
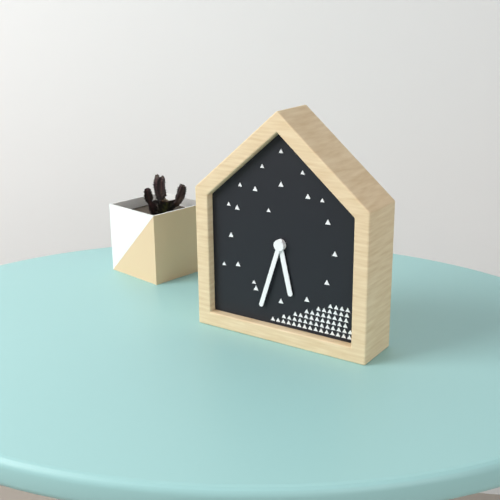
5:33
